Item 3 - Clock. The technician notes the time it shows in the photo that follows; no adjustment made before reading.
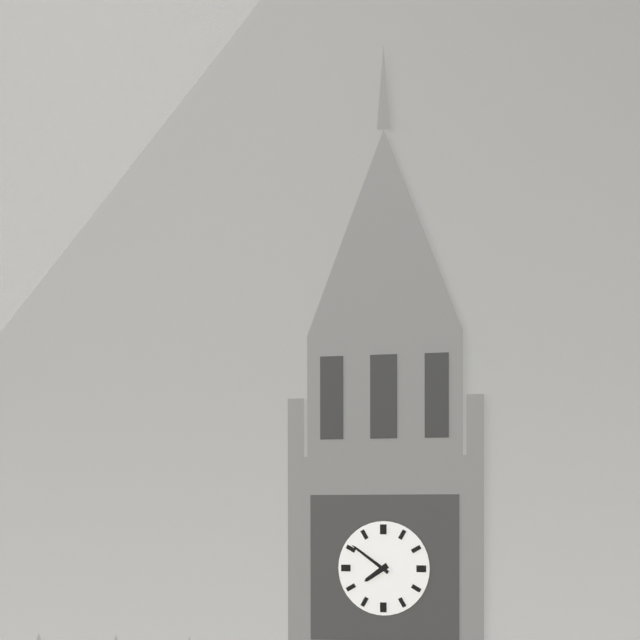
7:51
